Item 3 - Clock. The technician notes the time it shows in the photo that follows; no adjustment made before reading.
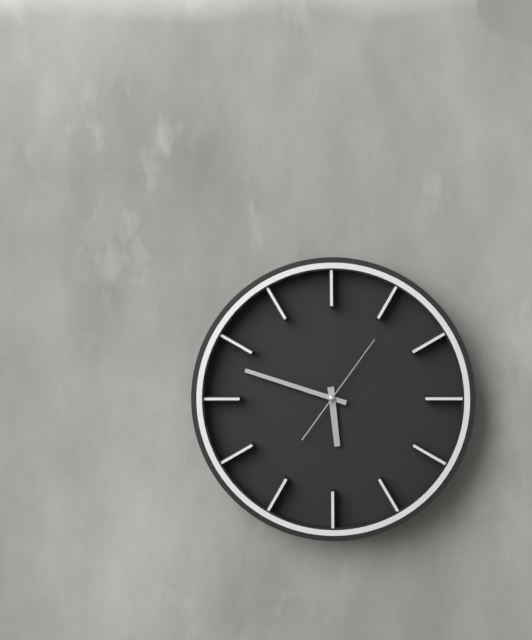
5:48:06
